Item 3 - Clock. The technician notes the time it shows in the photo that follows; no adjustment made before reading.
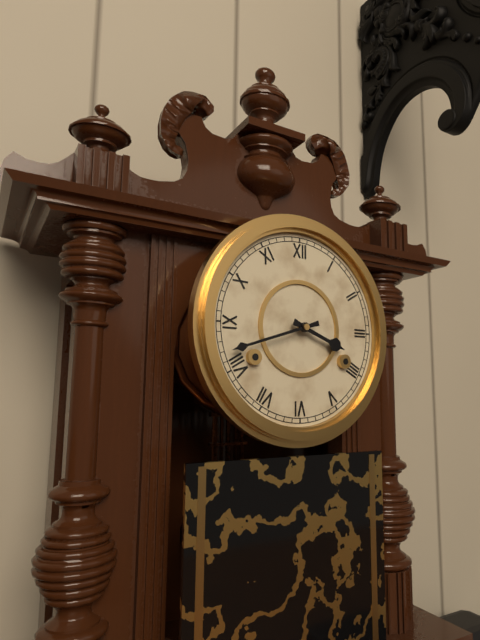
3:42
